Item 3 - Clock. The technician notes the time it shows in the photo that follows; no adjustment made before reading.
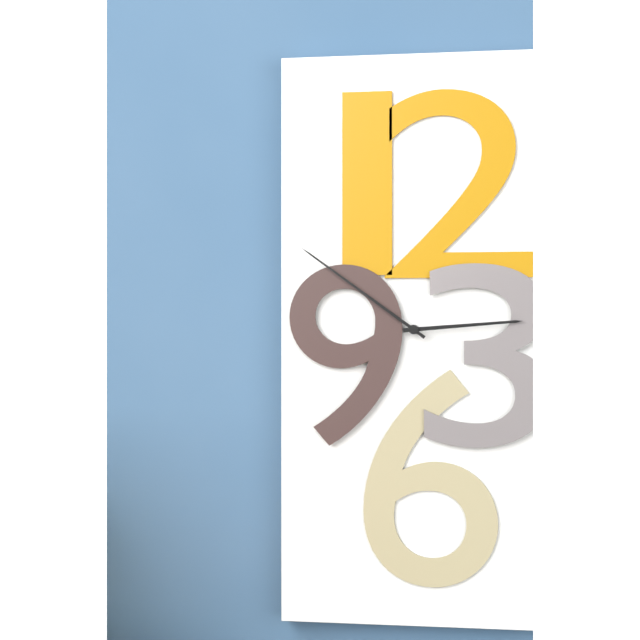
2:51
